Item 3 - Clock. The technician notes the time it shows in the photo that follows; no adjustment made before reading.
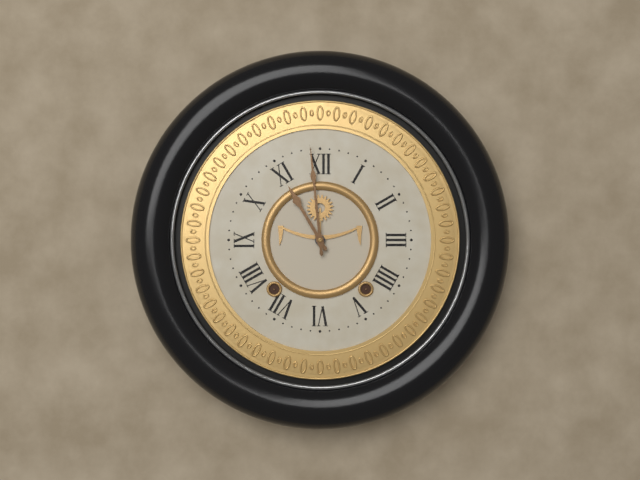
10:59
